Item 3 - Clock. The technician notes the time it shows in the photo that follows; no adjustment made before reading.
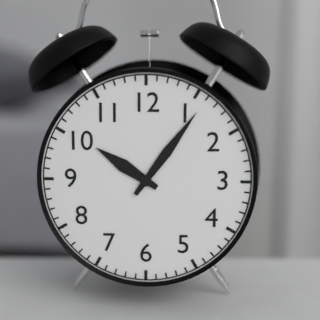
10:06
